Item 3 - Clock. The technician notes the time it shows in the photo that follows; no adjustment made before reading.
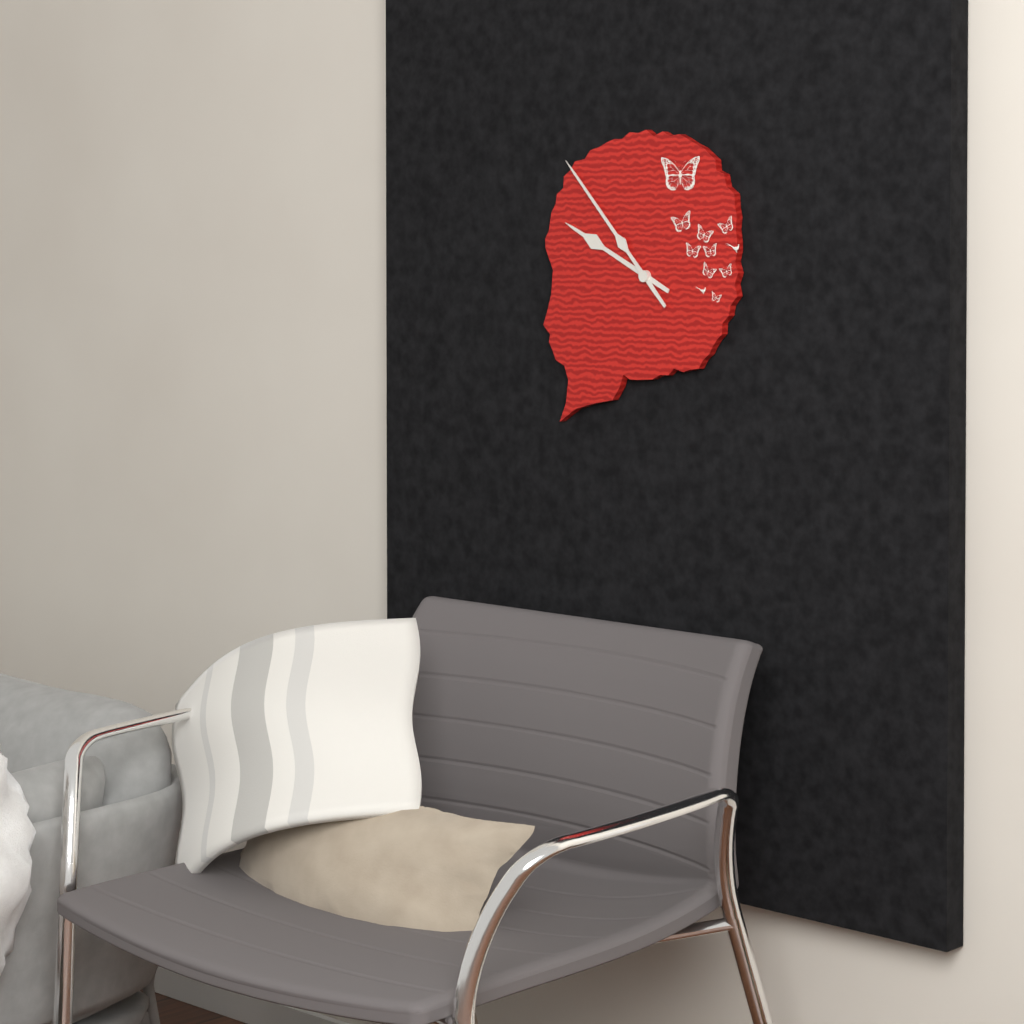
9:53
